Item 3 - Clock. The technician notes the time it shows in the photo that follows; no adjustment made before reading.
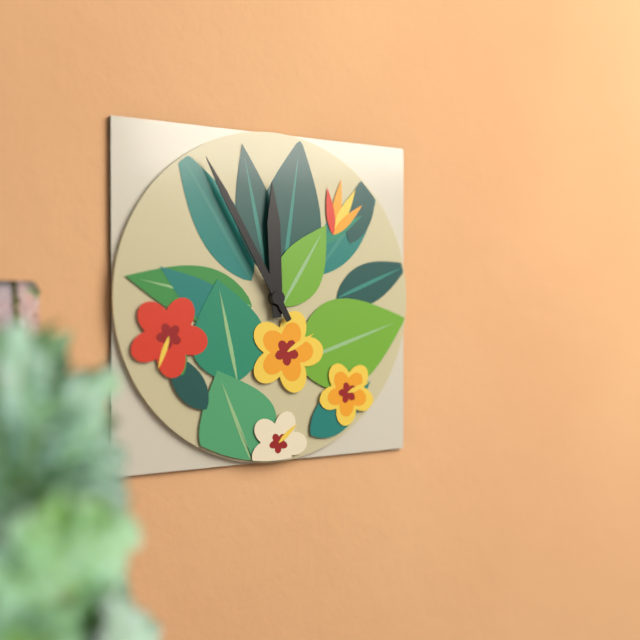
11:55
